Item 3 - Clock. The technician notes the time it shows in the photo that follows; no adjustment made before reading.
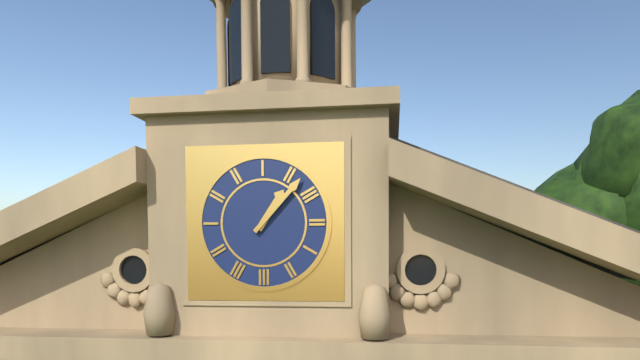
1:07
